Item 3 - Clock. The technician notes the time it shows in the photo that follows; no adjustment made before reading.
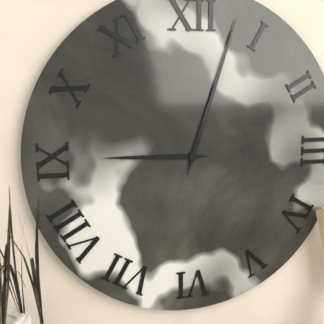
9:03
